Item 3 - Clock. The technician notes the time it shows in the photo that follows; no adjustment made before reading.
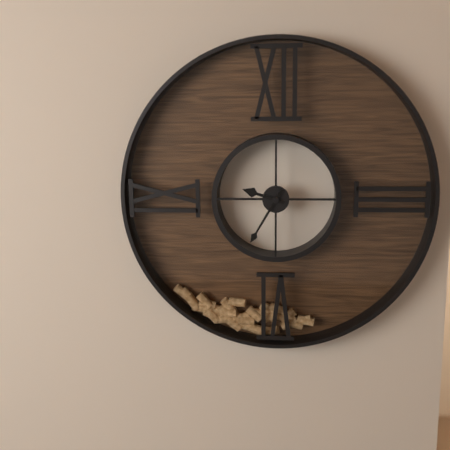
9:35
